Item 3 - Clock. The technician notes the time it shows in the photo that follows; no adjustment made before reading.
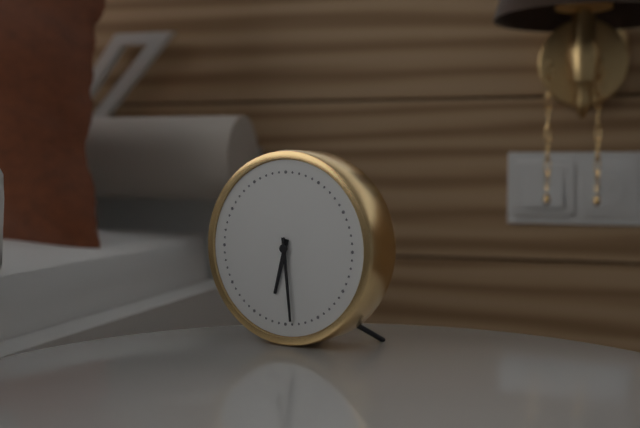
6:29
